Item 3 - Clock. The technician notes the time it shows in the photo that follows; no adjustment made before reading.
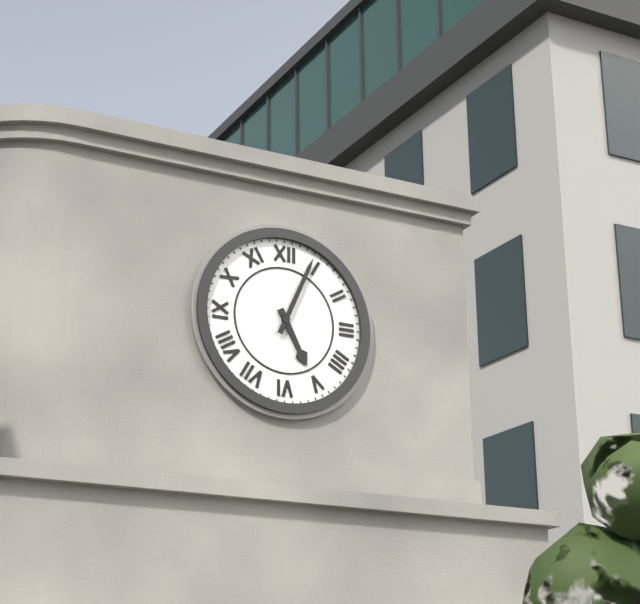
5:04
